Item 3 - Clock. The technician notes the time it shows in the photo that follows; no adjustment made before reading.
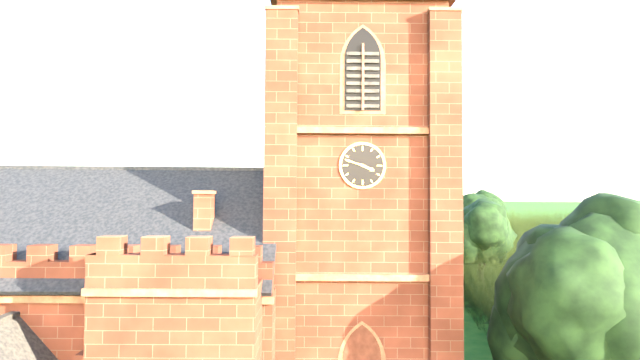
3:48
